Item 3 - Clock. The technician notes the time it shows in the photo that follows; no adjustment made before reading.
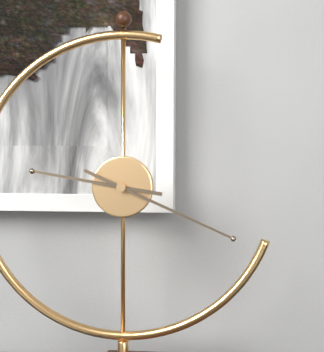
9:19
